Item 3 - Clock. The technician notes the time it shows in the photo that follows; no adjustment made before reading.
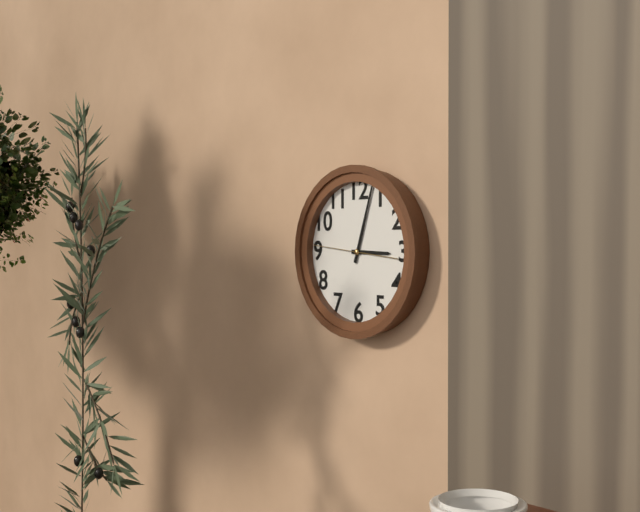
3:03:46
